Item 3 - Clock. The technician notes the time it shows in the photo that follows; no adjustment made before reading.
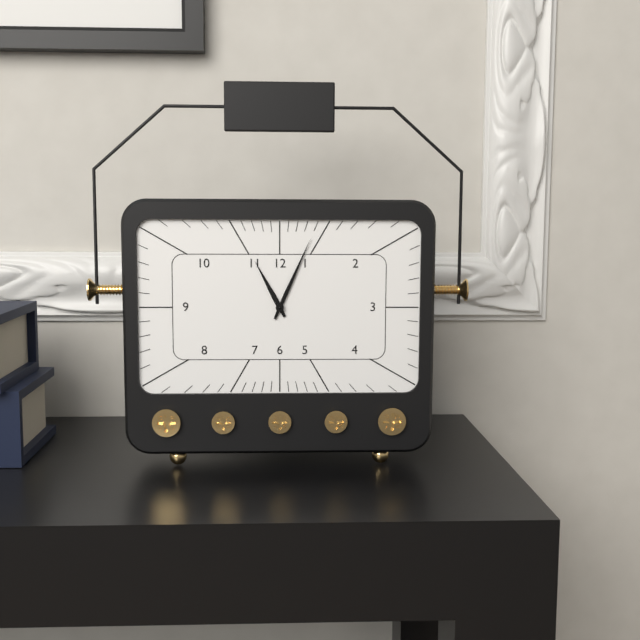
11:04
